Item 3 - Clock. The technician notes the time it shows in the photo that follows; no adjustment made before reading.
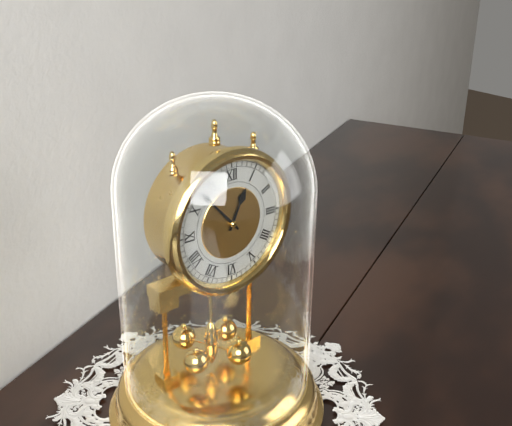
12:53
